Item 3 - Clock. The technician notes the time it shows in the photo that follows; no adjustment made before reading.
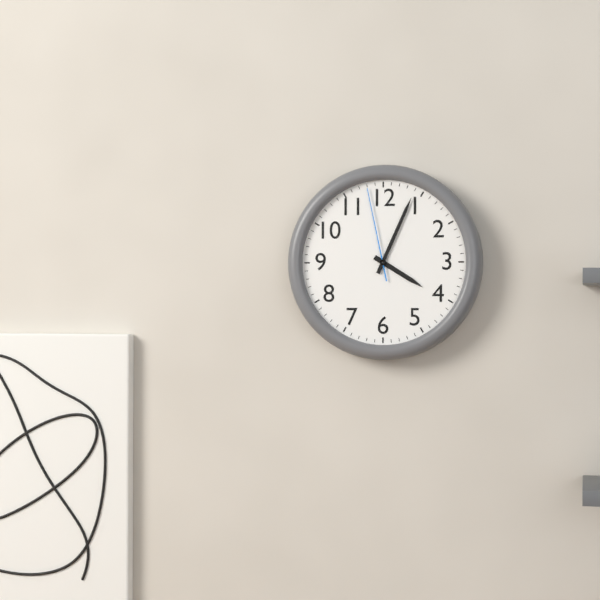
4:04:58
